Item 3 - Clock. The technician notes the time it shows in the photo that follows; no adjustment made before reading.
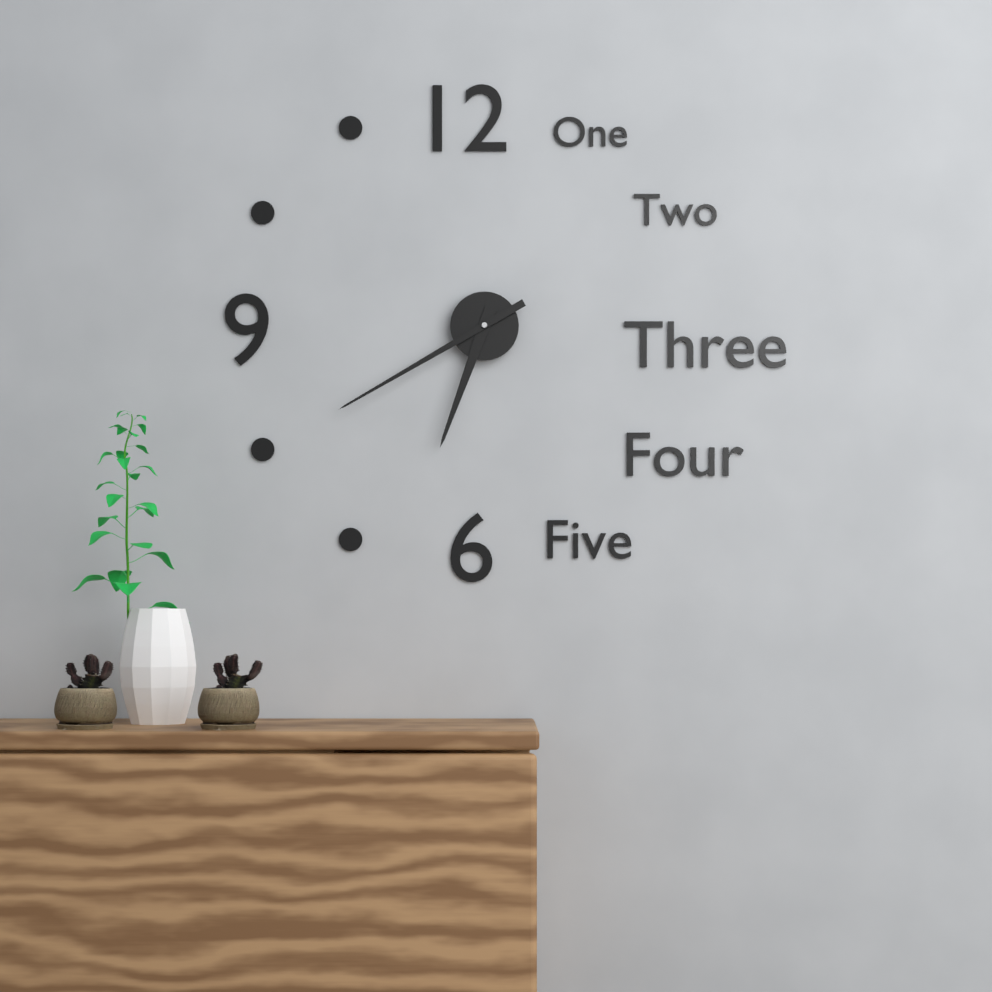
6:40
